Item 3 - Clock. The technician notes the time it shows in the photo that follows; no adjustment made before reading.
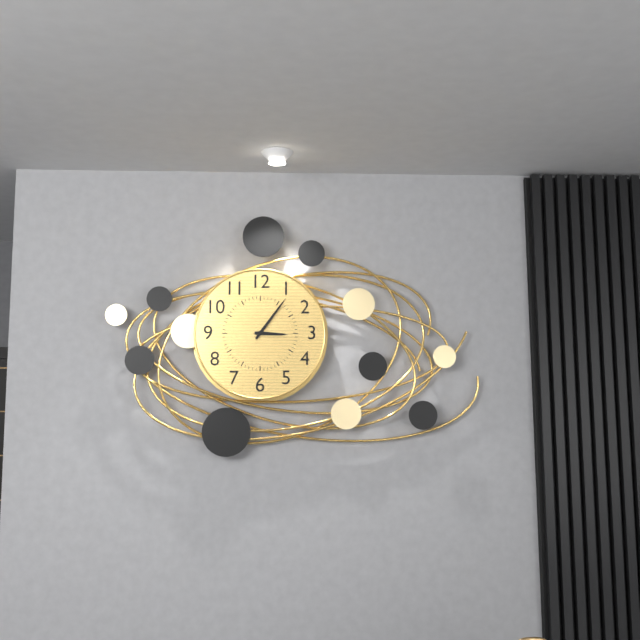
3:06
